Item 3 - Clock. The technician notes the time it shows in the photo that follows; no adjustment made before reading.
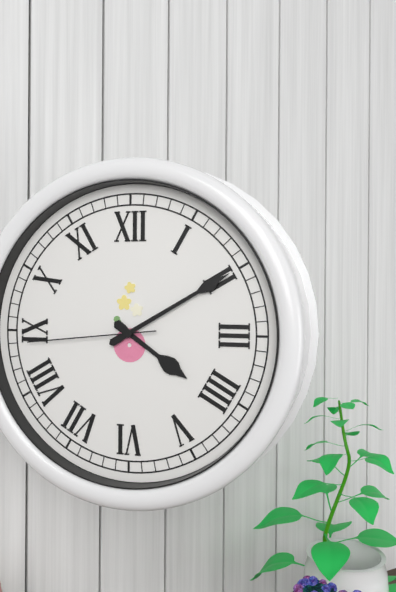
4:10:44
